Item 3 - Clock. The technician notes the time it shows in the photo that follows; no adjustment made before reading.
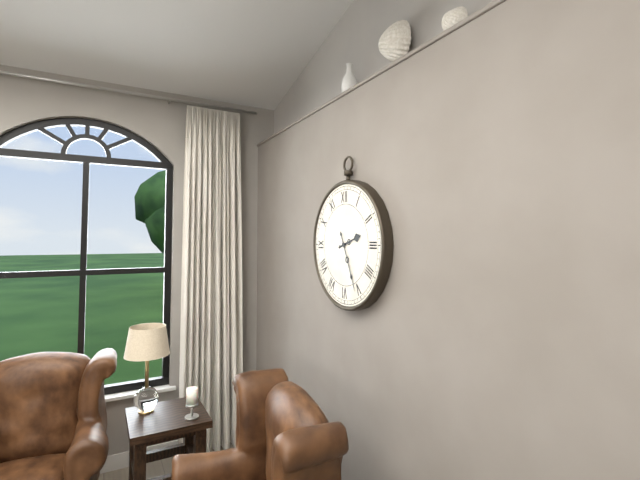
2:26
